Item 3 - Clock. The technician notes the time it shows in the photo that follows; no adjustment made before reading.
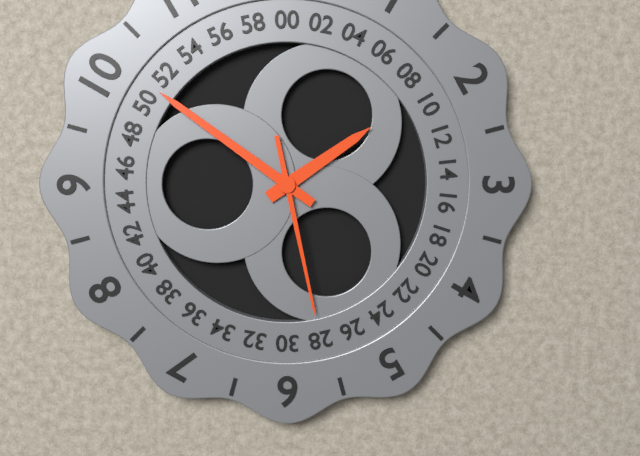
1:51:28
